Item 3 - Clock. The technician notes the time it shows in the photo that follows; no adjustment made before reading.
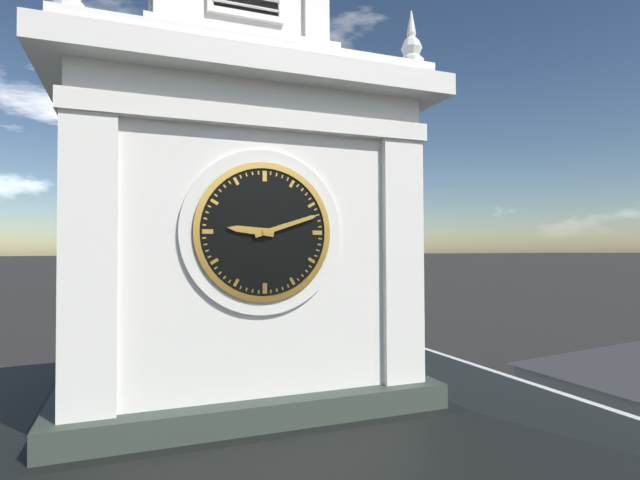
9:12
